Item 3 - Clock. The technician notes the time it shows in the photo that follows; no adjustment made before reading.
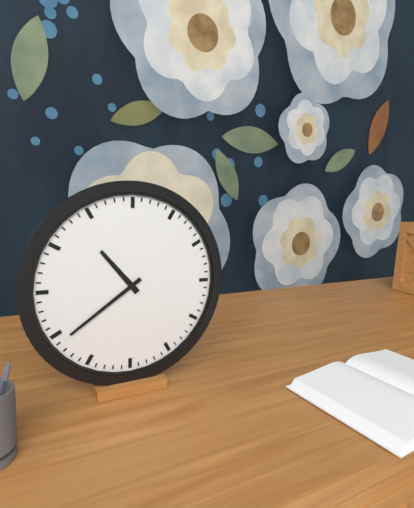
10:39
